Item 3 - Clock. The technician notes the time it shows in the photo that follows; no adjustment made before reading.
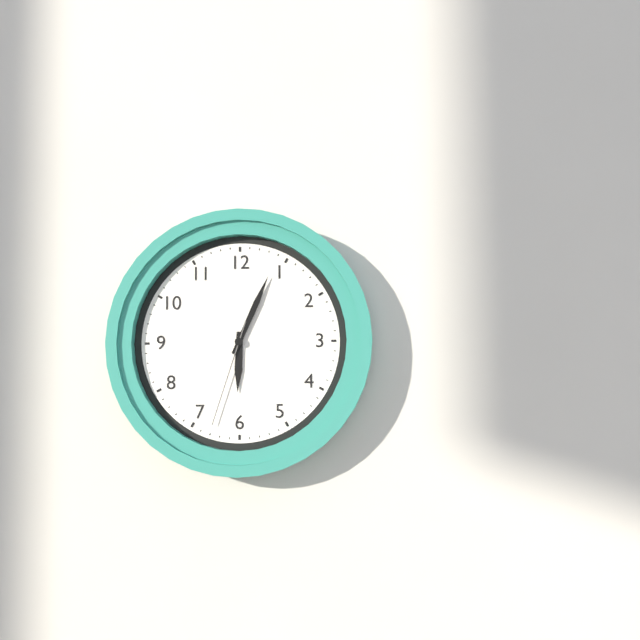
6:04:33
